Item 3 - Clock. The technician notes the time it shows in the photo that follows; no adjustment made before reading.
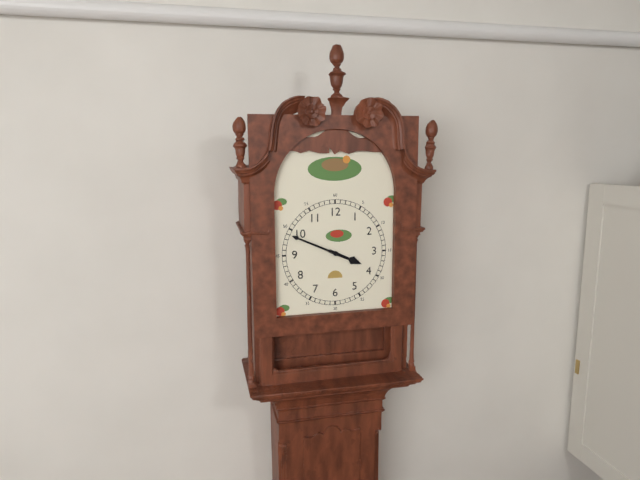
3:49
